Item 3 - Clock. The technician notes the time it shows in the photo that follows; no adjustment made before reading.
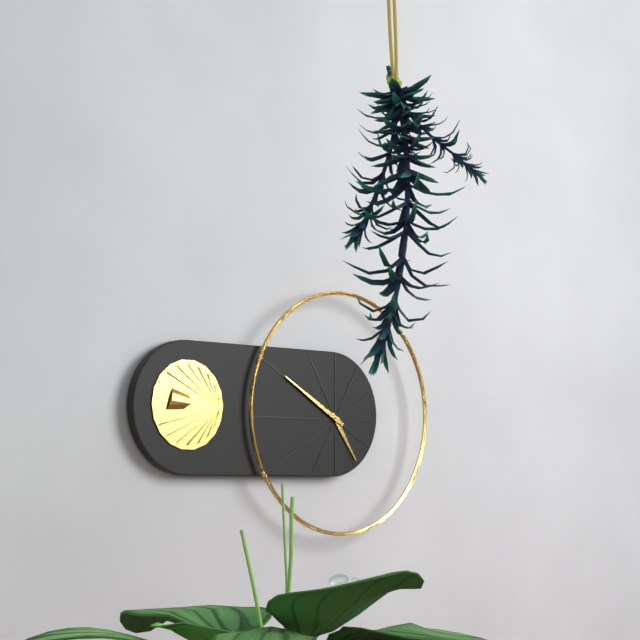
4:50
